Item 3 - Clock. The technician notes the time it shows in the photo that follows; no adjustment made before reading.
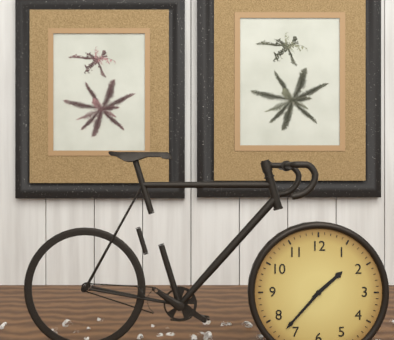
1:37
